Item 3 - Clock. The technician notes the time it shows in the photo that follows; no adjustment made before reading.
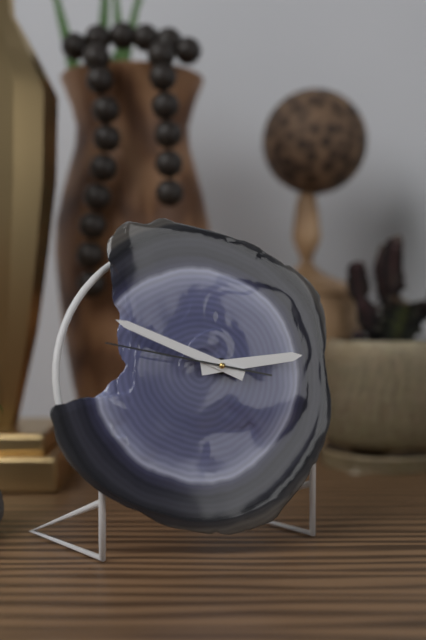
2:49:47
